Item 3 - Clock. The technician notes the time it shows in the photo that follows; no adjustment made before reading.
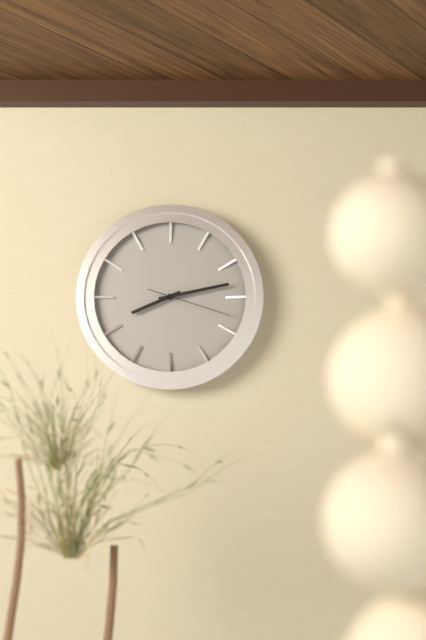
8:13:18
